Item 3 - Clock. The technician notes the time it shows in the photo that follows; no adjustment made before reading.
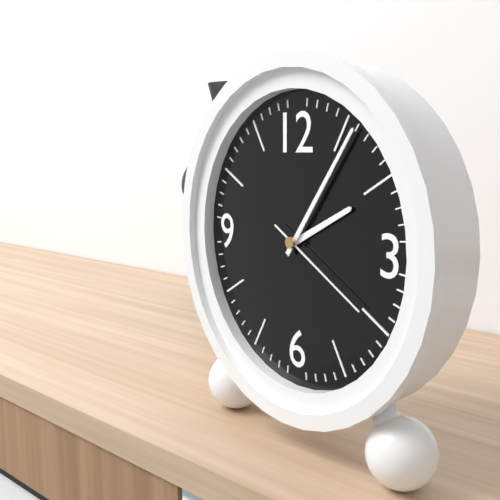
2:06:20
